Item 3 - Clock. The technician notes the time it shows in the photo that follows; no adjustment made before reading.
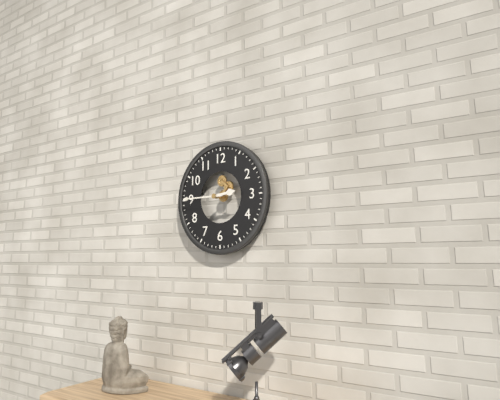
2:45
